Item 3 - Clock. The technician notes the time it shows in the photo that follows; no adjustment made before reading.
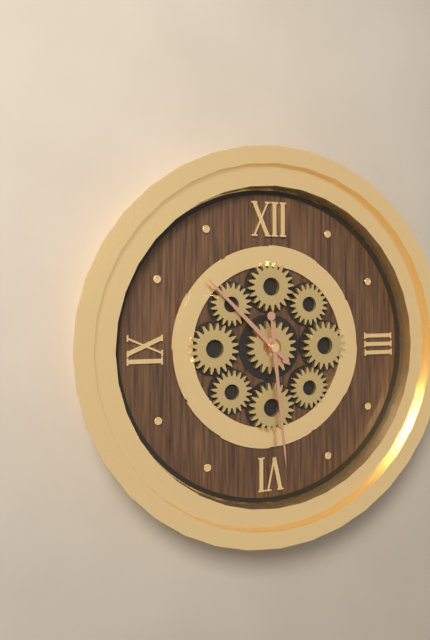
10:29
